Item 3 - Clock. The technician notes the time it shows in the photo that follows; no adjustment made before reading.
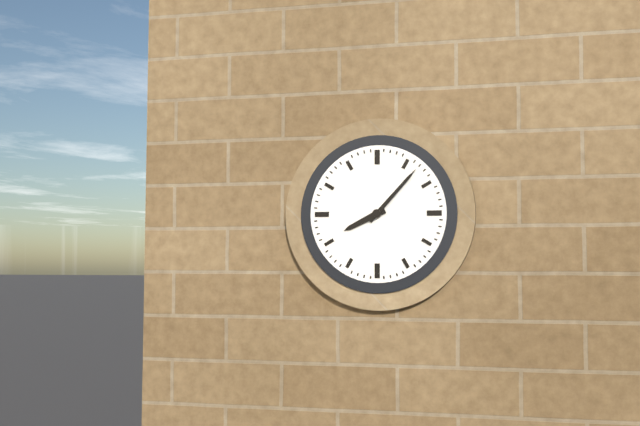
8:07
